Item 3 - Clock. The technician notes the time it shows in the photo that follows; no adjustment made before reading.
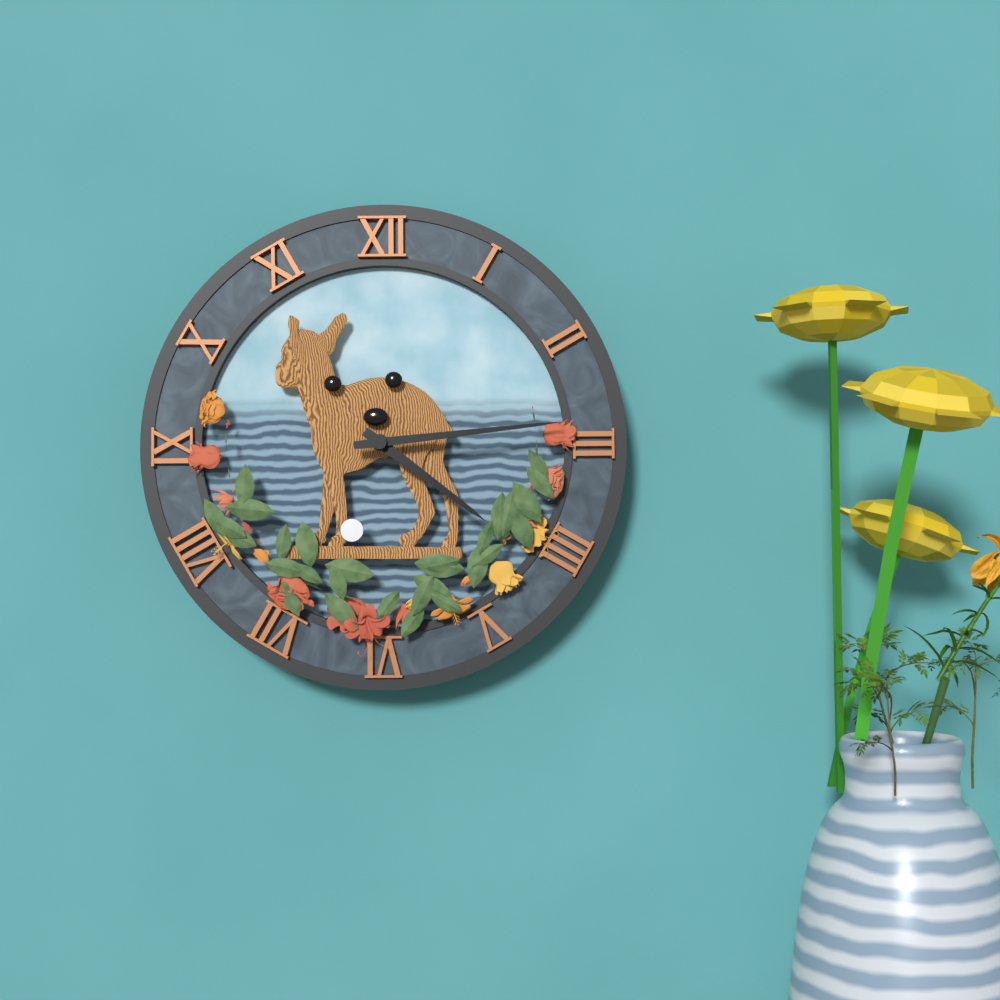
4:14
